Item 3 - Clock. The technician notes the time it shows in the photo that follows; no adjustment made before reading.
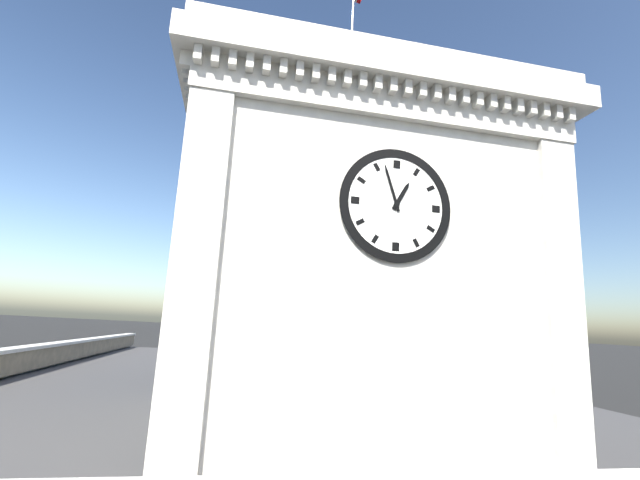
12:57
